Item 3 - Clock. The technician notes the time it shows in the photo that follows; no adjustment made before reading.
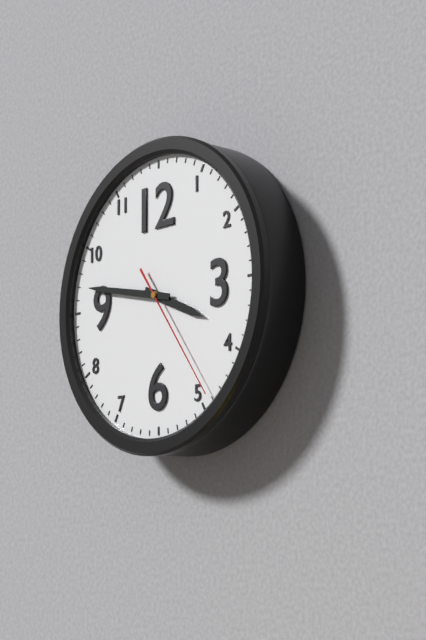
3:47:24
